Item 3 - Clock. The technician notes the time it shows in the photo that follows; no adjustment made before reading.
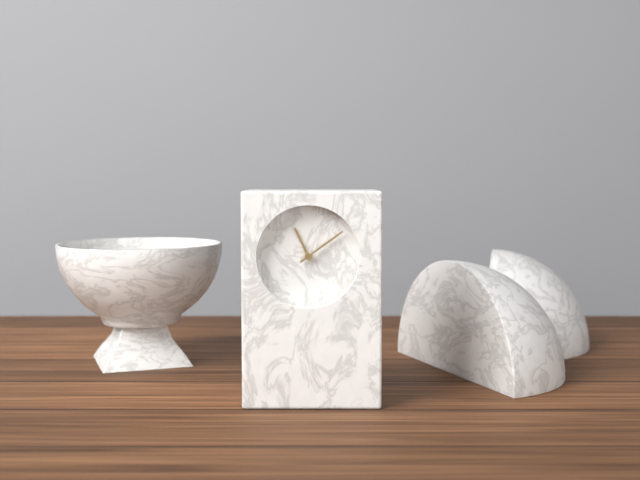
11:09
